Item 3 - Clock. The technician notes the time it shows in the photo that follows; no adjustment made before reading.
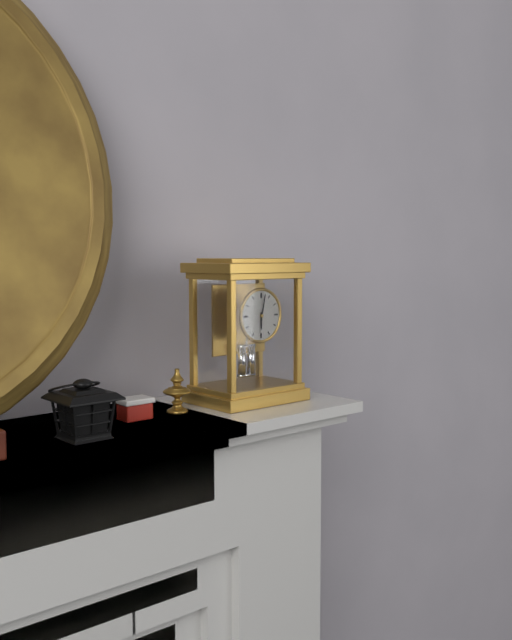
6:02
